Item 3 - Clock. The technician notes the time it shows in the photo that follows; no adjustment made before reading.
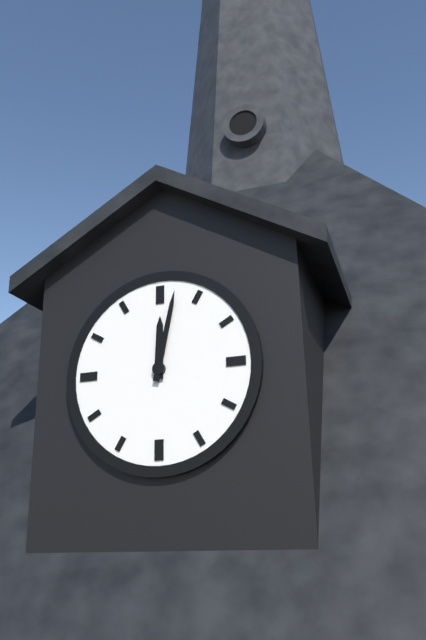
12:02
